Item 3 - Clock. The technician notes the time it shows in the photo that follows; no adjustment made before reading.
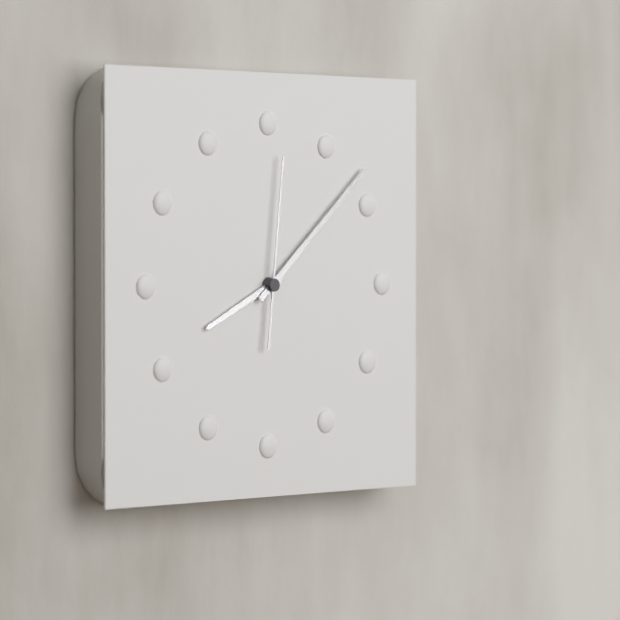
8:08:01
